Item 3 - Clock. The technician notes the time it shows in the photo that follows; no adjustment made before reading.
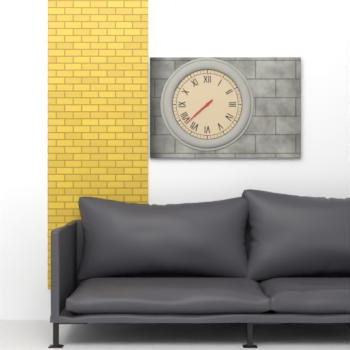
7:38
